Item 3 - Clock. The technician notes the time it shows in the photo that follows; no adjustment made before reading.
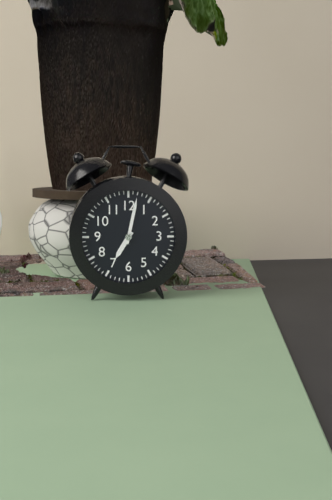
7:02
